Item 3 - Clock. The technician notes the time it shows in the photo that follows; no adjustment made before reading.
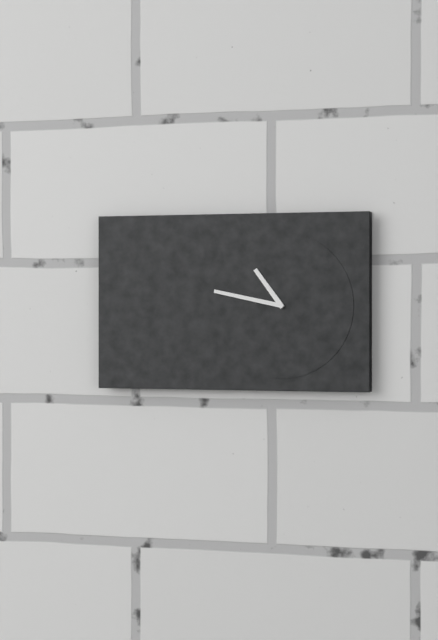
10:47
